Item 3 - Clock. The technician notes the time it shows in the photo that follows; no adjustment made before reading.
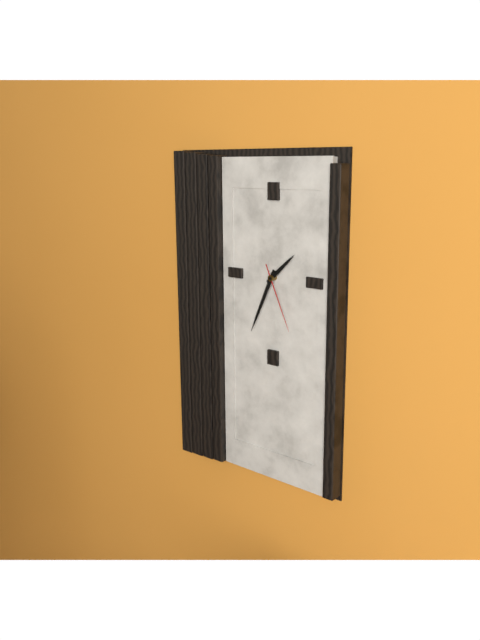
1:34:26
